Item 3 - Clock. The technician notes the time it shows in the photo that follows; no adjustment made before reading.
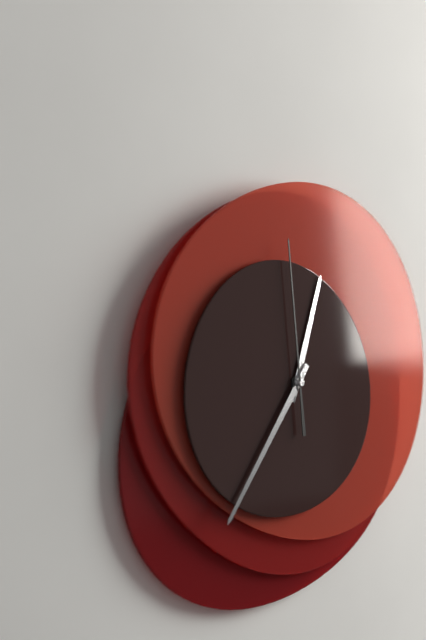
12:36:59
